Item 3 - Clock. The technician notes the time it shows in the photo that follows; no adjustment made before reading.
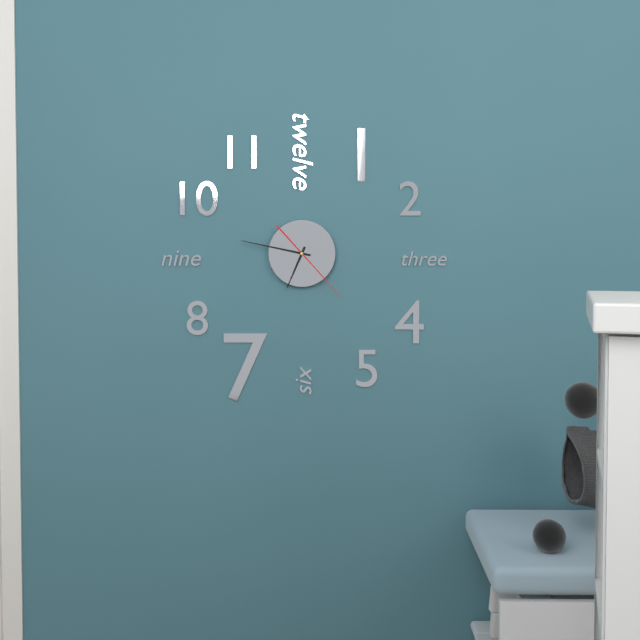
6:47:23
